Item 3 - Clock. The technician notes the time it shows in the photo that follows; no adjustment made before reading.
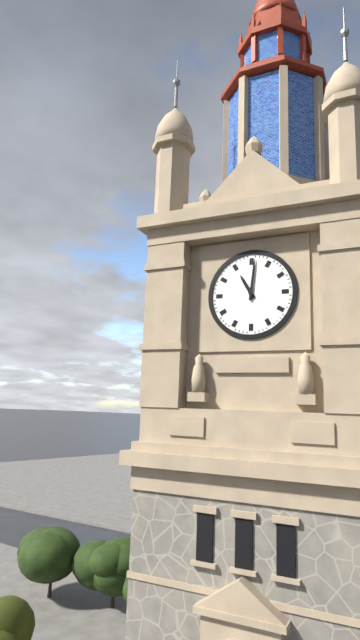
11:01
